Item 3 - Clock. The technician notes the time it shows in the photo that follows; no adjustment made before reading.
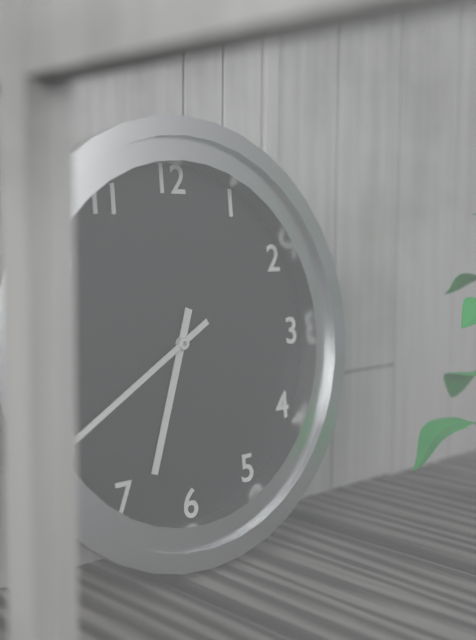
6:40
